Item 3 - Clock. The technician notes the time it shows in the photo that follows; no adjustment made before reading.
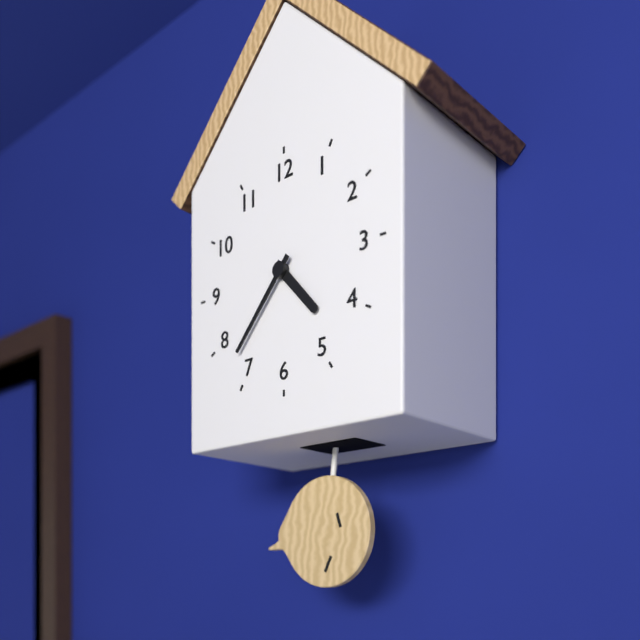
4:37
